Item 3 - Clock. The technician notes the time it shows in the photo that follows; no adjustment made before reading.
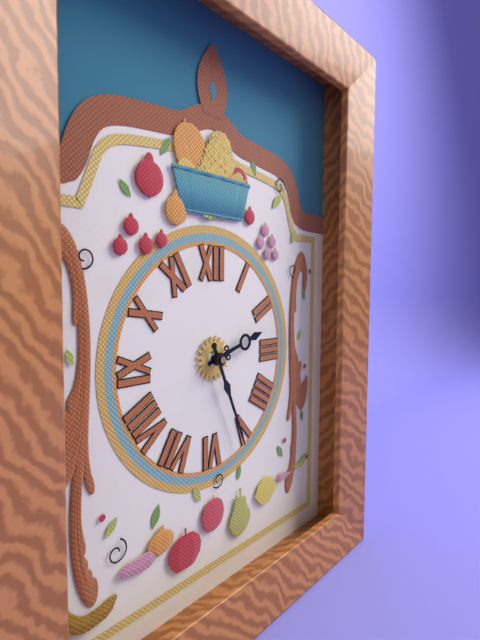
2:26
